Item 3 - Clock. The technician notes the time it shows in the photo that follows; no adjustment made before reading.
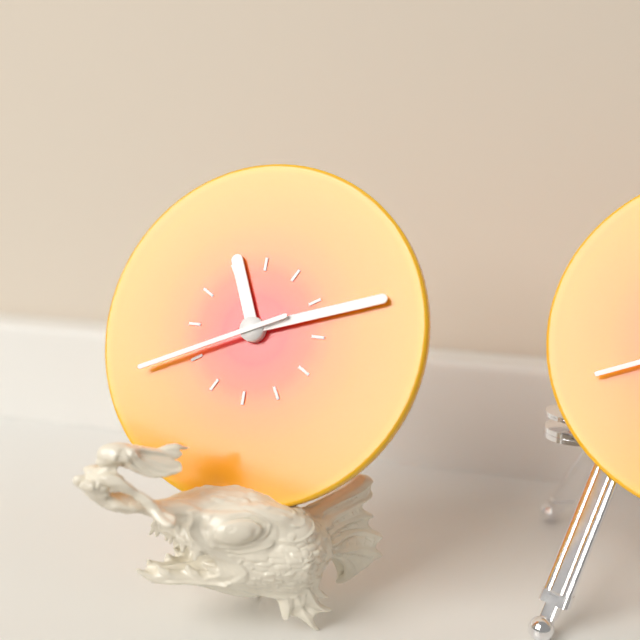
11:12:41
